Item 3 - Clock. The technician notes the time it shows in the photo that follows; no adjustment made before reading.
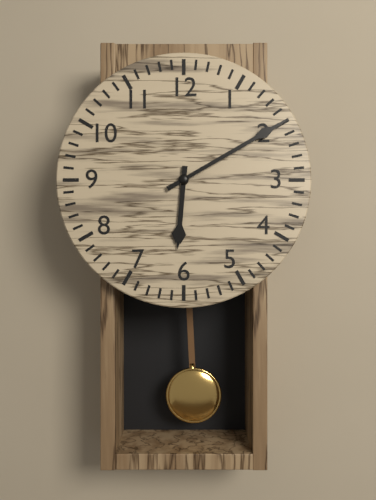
6:10
